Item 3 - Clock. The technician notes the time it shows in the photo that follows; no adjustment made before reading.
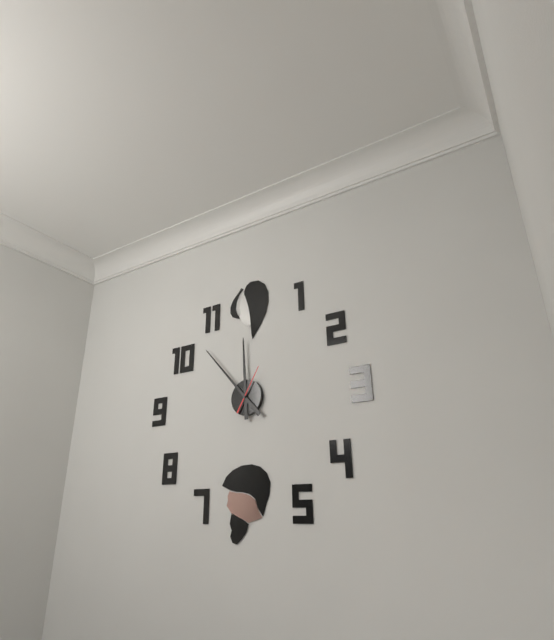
11:53
